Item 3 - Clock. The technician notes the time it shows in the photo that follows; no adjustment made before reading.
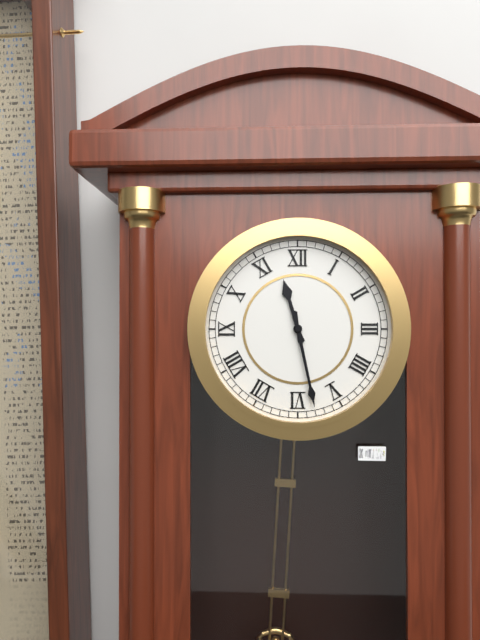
11:28
